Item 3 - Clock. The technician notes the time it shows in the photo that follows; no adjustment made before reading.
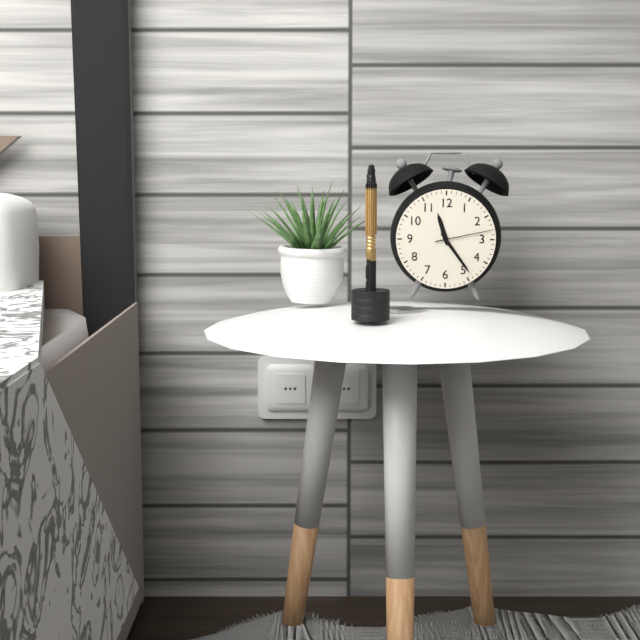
11:24:13
